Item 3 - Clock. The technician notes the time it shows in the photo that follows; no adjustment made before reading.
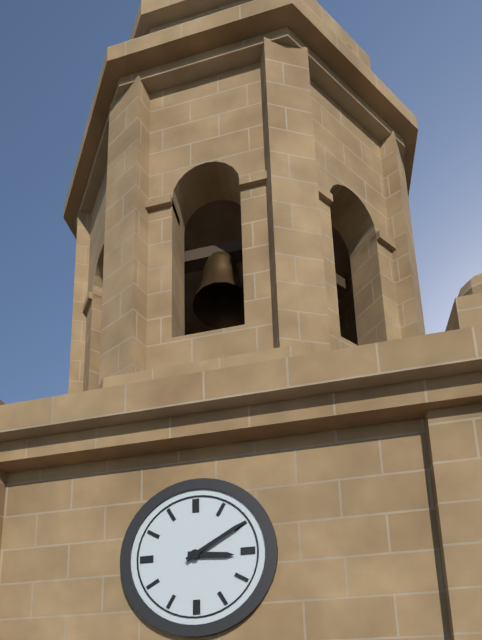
3:10
